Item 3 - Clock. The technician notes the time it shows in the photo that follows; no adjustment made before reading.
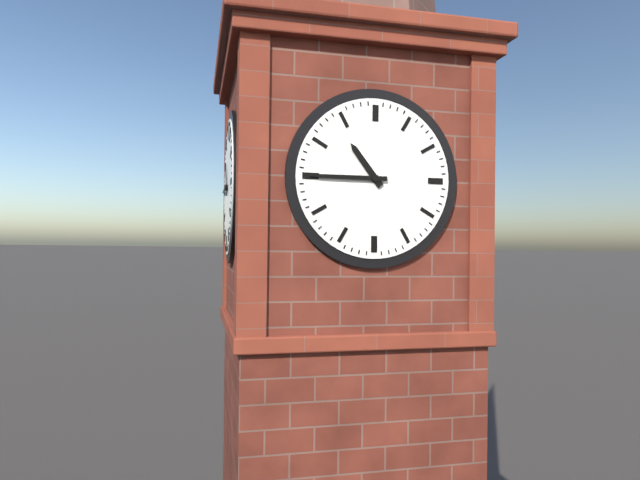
10:45
